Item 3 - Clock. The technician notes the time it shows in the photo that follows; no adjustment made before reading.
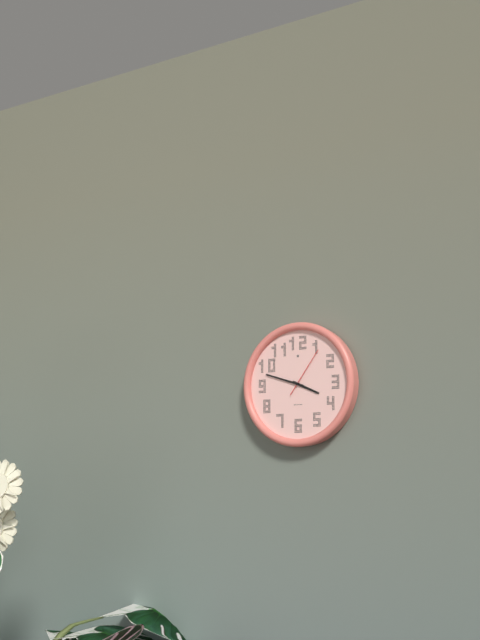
3:48:06
